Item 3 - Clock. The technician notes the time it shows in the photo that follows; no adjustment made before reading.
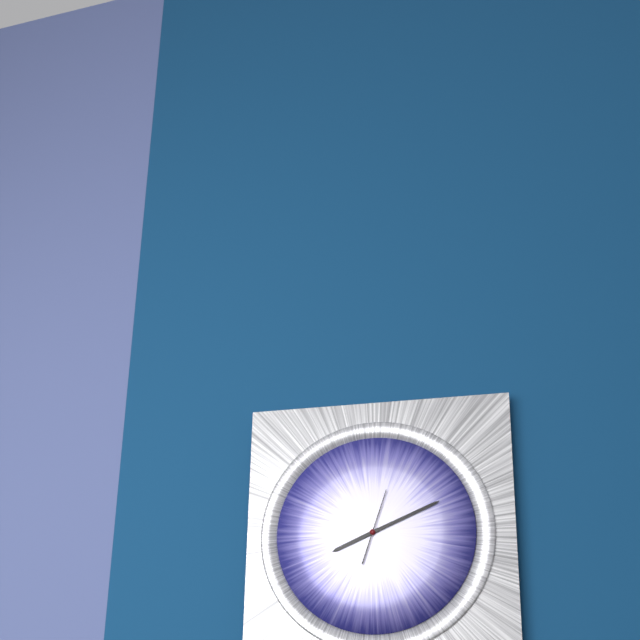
8:11:03
